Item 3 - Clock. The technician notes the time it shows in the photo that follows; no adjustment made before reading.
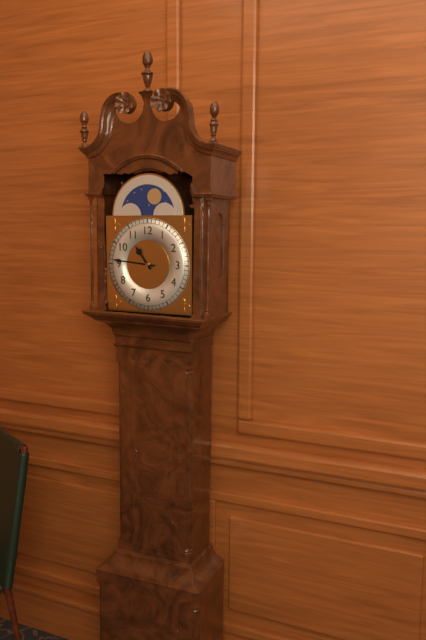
10:46
